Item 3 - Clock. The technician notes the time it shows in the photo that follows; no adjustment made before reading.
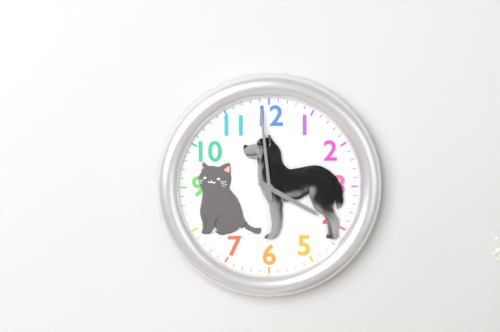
3:59
